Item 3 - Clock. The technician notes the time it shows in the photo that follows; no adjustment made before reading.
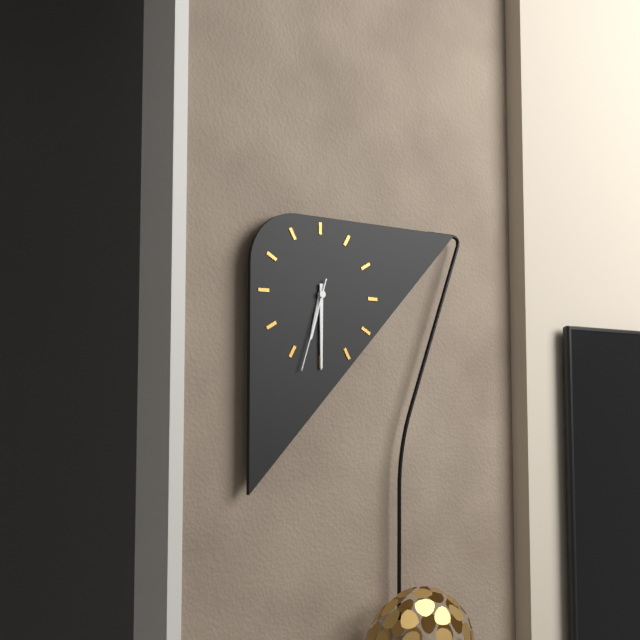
6:30:33
